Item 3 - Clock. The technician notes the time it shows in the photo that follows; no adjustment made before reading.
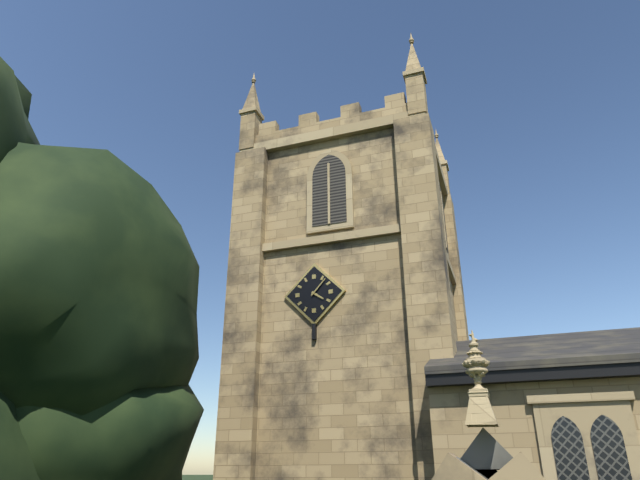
4:07
